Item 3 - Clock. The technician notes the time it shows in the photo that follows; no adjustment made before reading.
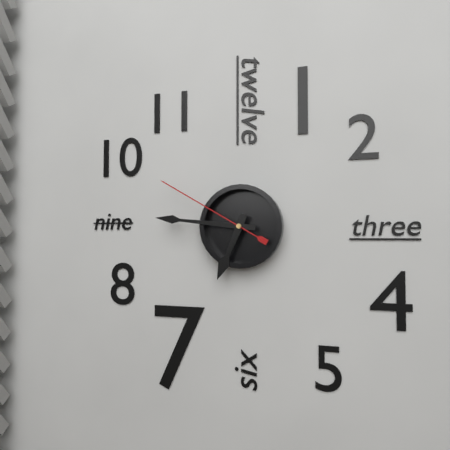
6:46:50
